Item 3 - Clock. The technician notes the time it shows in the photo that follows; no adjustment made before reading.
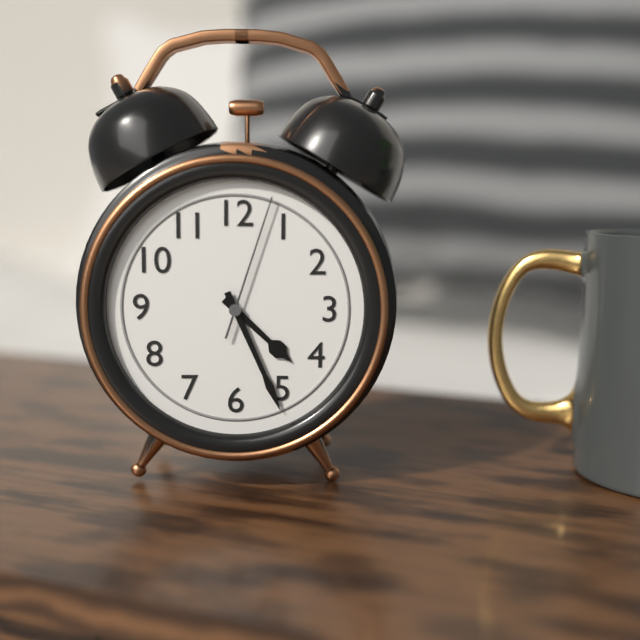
4:26:03
